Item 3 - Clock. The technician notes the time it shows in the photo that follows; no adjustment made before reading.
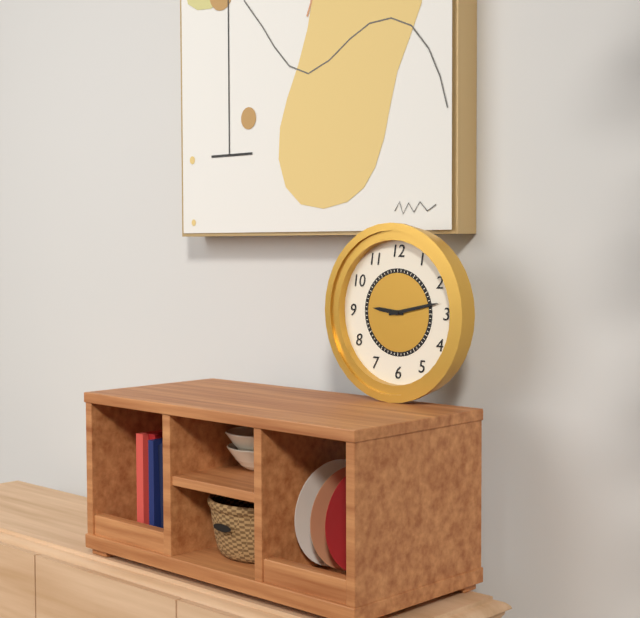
9:13
